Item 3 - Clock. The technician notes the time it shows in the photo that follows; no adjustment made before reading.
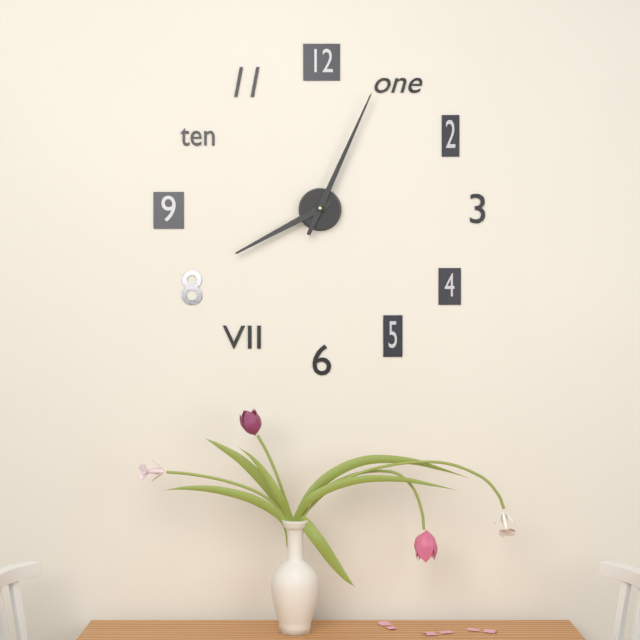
8:04
